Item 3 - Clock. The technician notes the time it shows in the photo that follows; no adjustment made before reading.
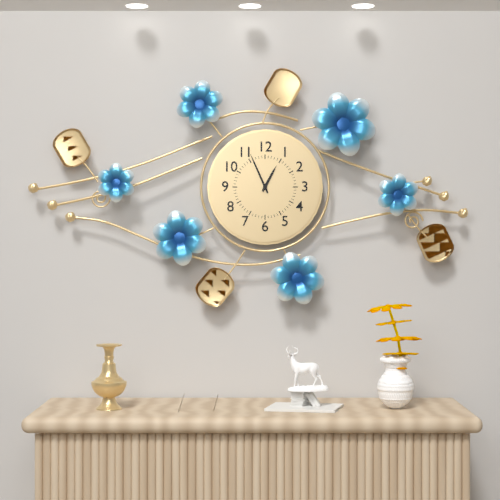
12:56
